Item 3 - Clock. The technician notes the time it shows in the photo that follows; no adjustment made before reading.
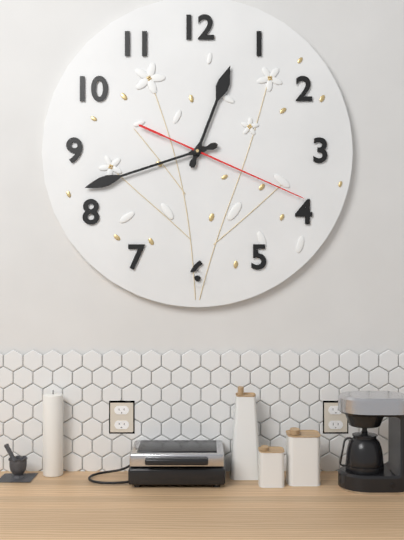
12:42:19
